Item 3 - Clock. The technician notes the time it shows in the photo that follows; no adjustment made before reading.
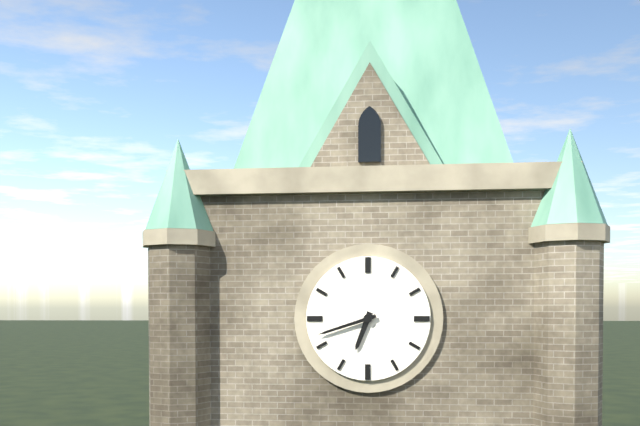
6:42
